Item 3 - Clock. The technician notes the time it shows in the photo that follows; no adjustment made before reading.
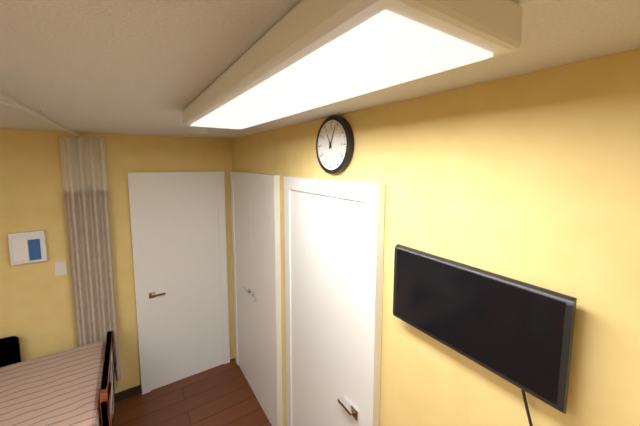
11:04
